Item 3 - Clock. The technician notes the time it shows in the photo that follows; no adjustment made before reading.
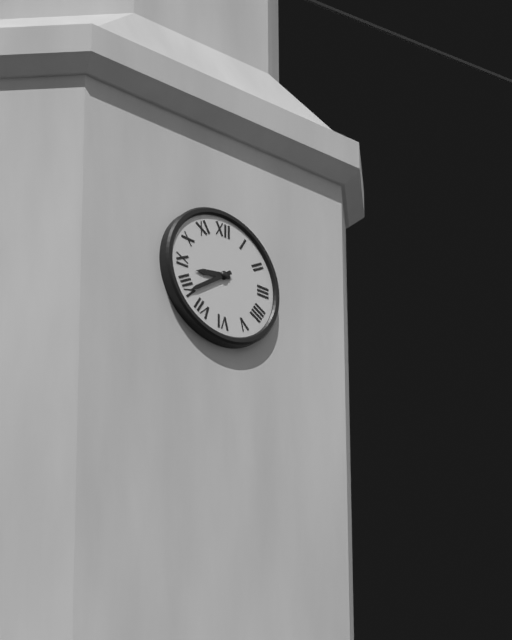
8:39
